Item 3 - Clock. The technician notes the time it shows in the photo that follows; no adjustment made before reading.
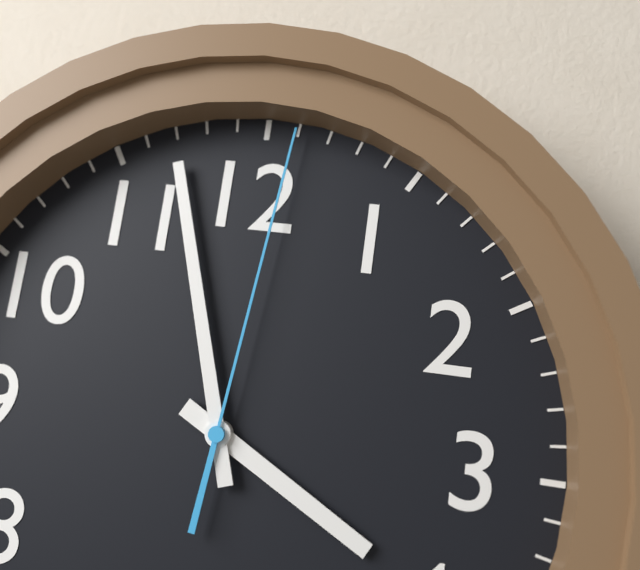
3:57:01
